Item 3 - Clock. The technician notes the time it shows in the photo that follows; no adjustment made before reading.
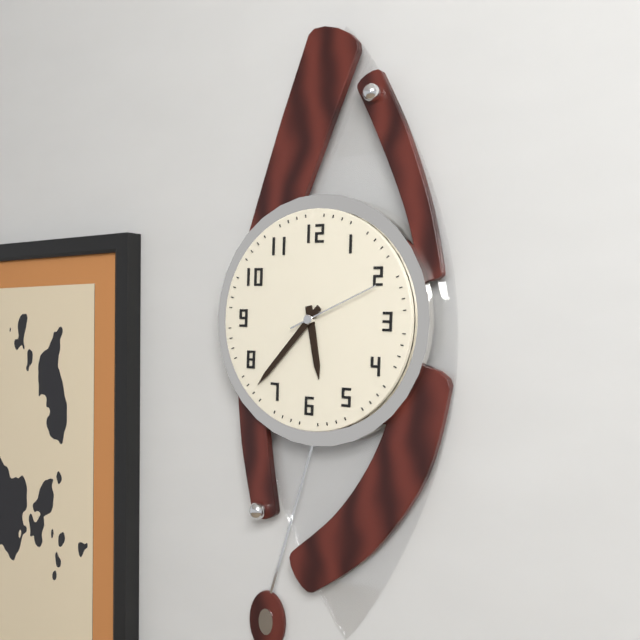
5:37:11
